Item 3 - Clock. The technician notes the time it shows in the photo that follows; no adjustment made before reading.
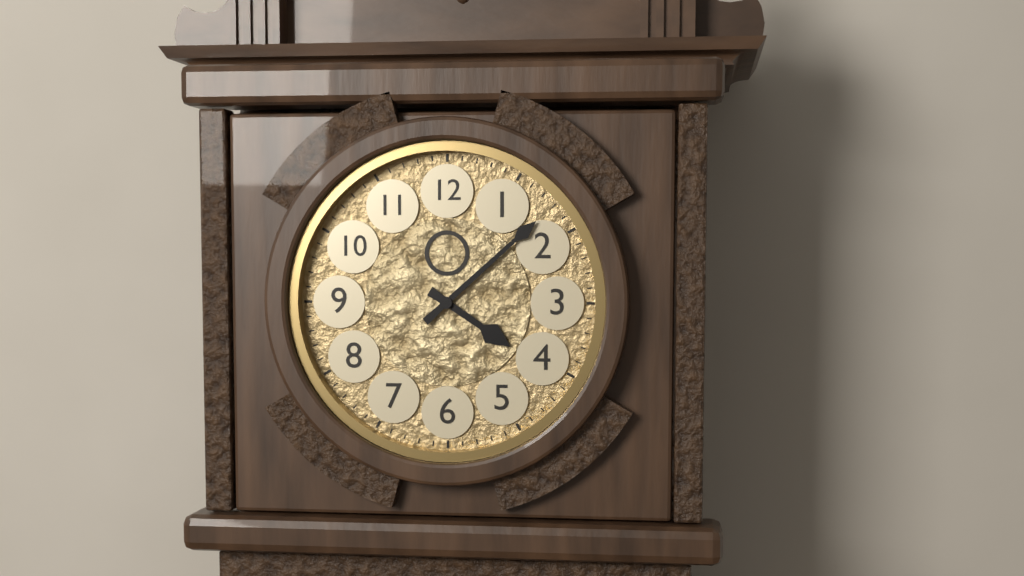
4:08
